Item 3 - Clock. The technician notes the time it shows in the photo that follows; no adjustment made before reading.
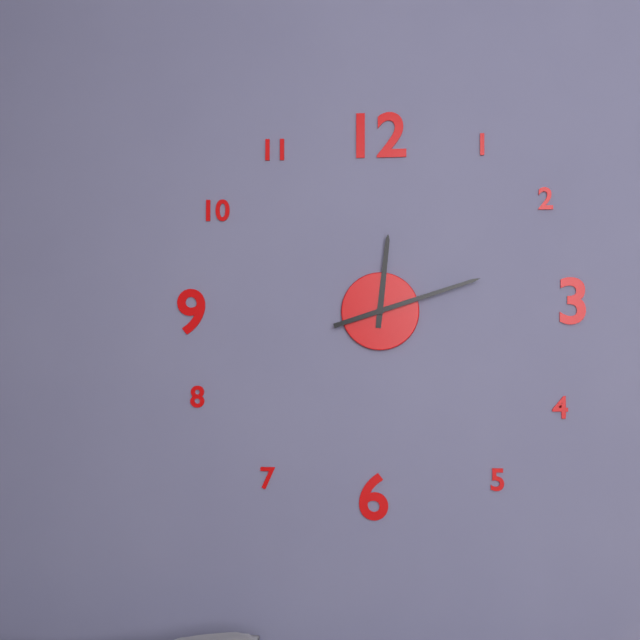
12:12
